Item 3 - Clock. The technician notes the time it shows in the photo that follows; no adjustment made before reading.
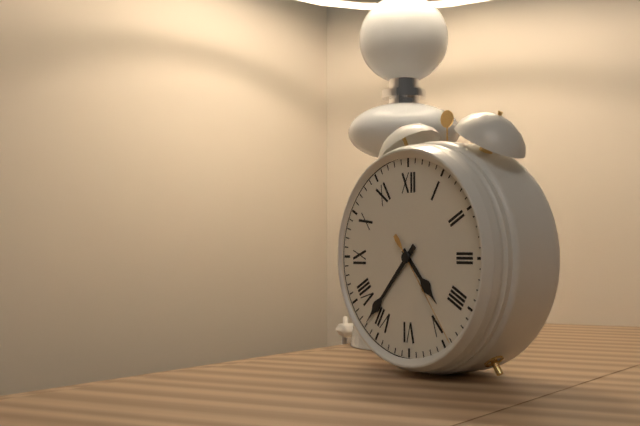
4:37:24
